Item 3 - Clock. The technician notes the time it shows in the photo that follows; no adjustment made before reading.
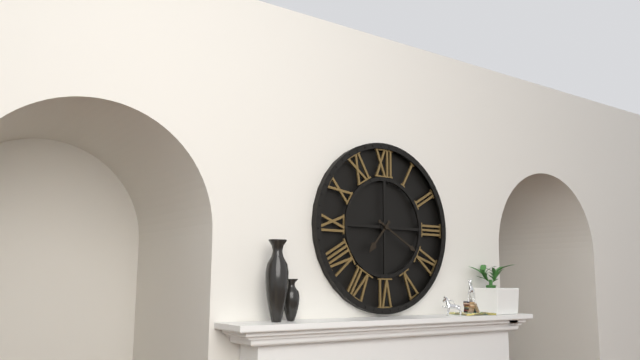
7:20
